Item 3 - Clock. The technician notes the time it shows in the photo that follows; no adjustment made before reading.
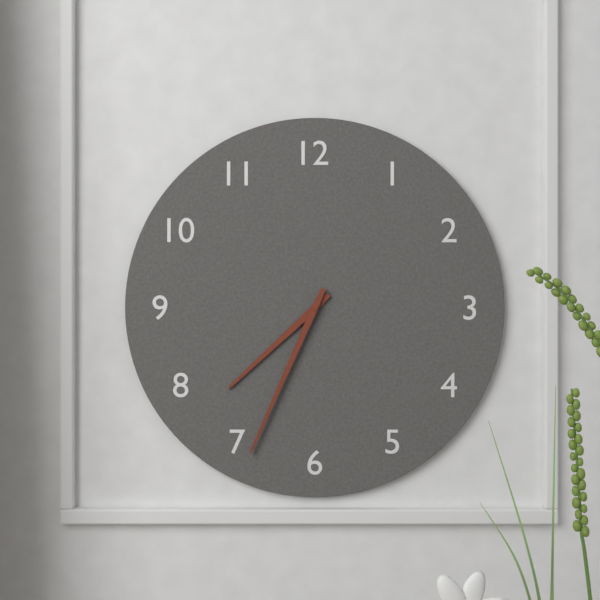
7:34
